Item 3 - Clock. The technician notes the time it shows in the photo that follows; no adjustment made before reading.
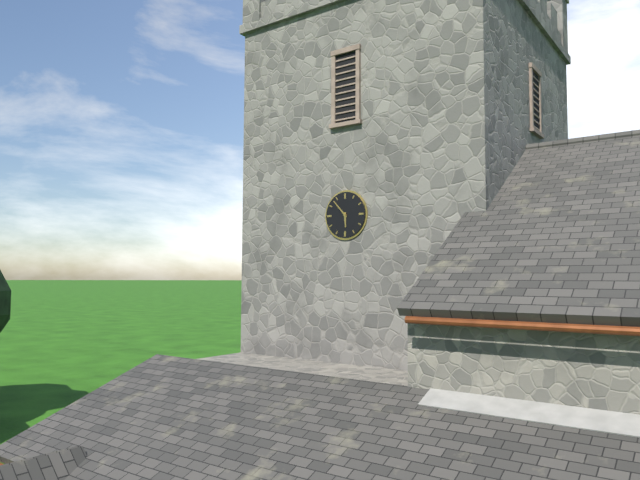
5:53
